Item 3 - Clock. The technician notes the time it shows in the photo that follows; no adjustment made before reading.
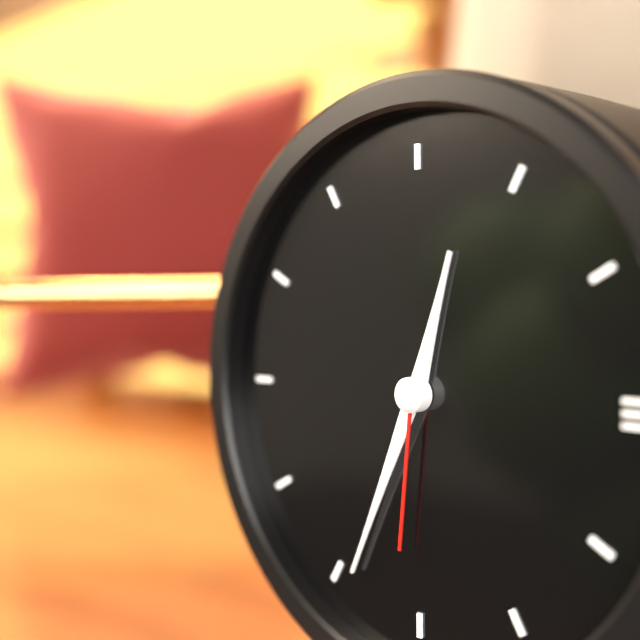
12:34:31
